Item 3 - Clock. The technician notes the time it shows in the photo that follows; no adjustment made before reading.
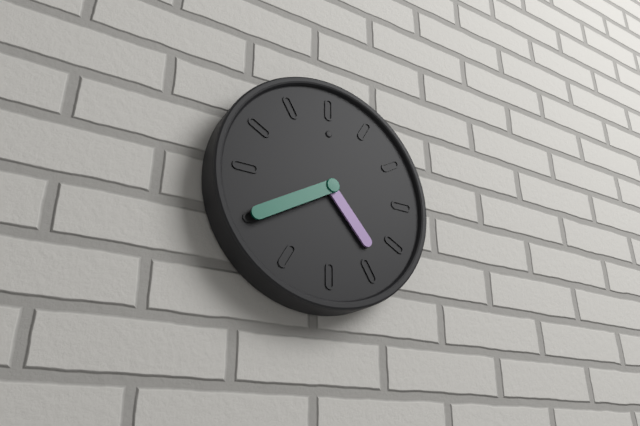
4:40
